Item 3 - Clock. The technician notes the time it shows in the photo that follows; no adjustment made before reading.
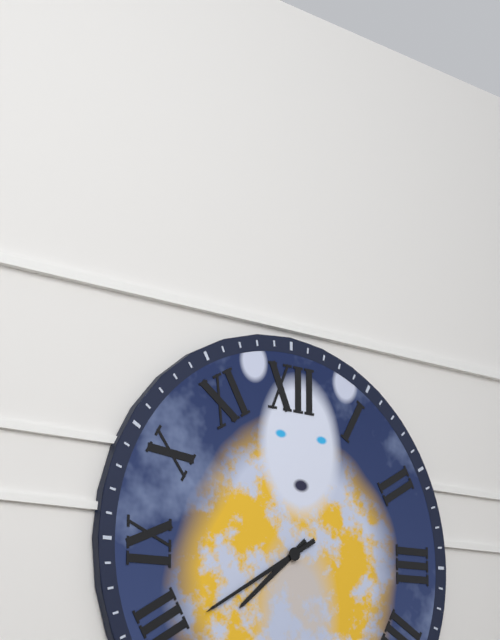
7:40
